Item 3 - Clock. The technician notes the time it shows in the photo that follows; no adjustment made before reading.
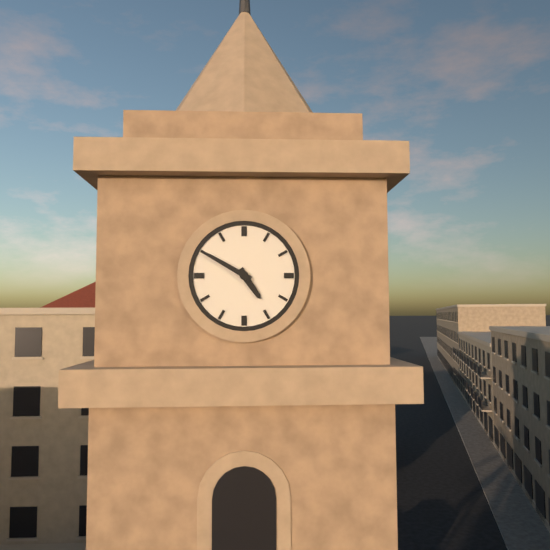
4:50
